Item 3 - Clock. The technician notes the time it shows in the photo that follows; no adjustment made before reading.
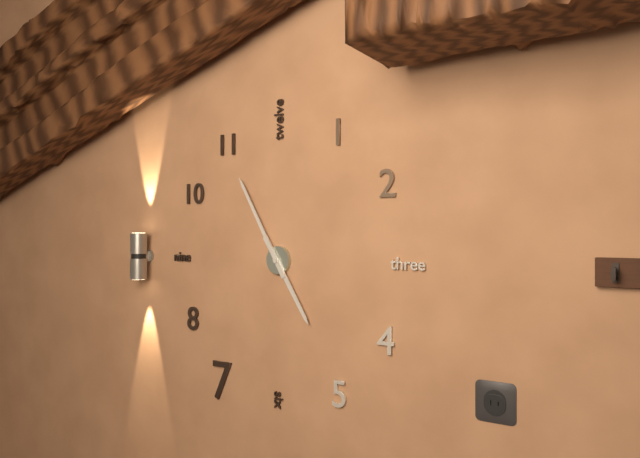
4:55
